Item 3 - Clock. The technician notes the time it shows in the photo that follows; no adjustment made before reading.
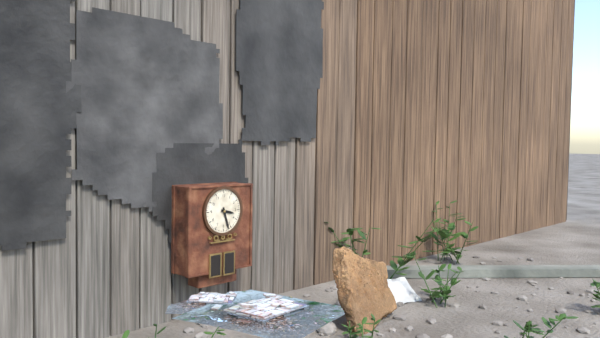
3:27
